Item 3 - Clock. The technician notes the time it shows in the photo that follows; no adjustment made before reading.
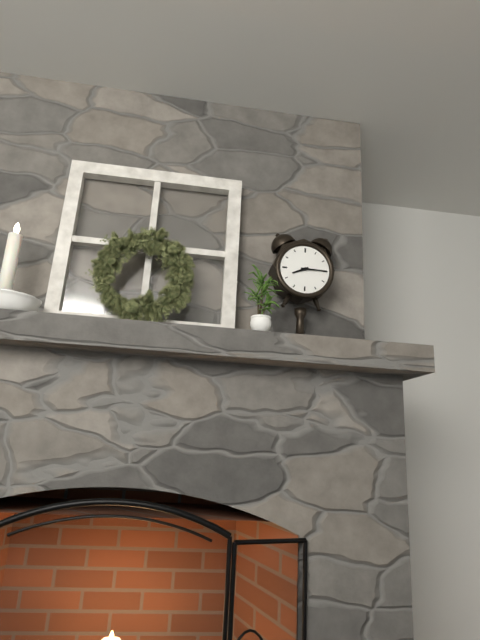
8:15
